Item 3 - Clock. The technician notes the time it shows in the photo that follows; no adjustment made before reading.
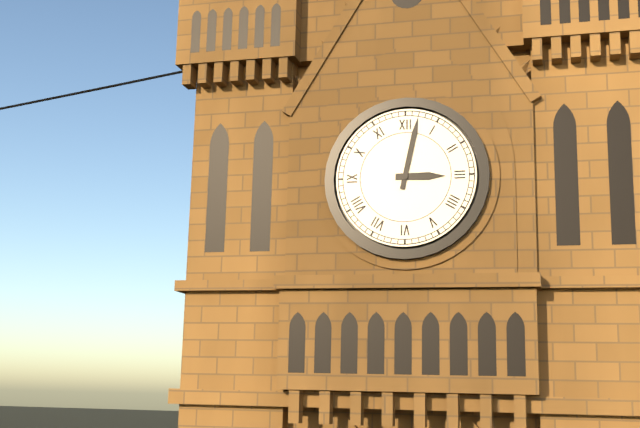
3:02
